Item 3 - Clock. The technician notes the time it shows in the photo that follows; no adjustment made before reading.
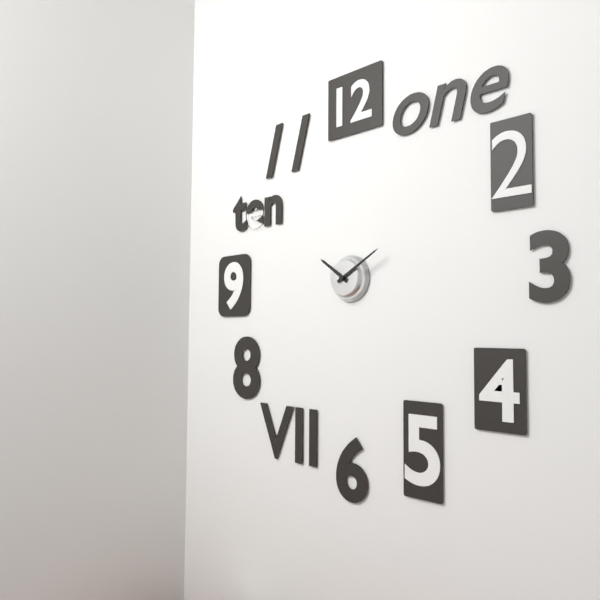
10:10
